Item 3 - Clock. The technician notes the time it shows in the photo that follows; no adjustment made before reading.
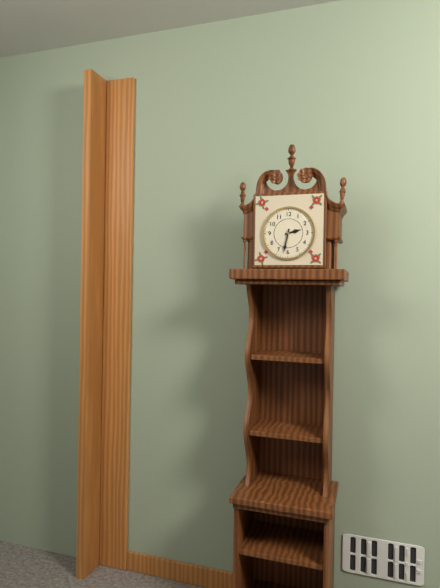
2:32
